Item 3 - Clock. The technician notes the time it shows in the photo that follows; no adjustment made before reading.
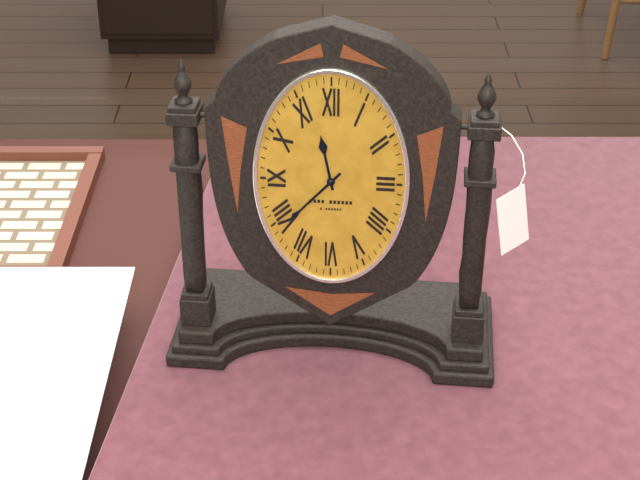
11:37
